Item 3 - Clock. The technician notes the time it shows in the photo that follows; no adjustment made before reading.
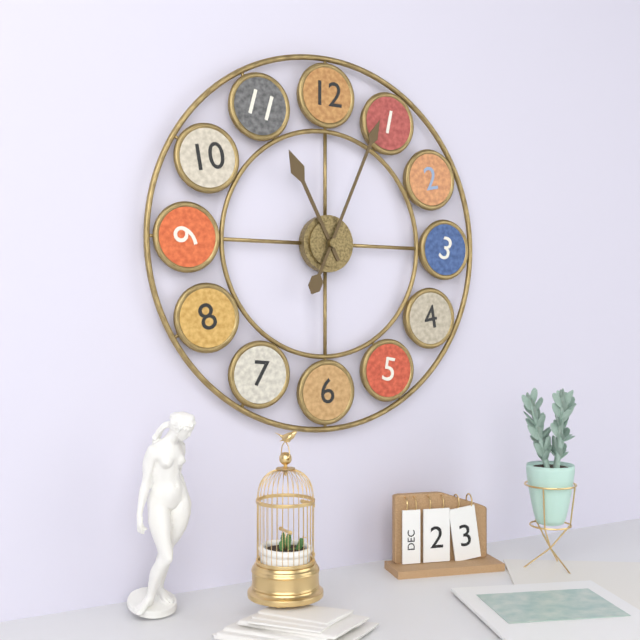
11:04
